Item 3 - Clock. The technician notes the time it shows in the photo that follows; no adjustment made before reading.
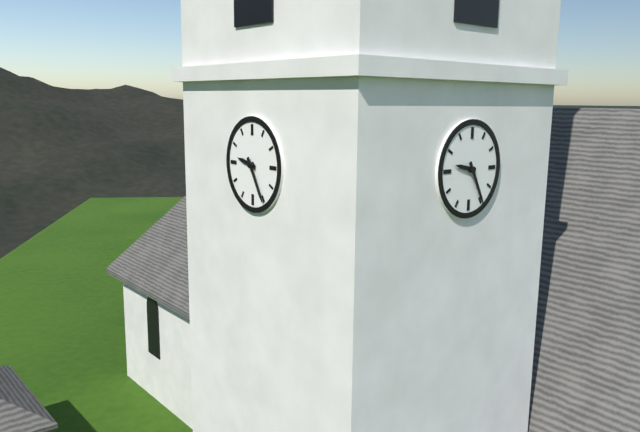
9:25
